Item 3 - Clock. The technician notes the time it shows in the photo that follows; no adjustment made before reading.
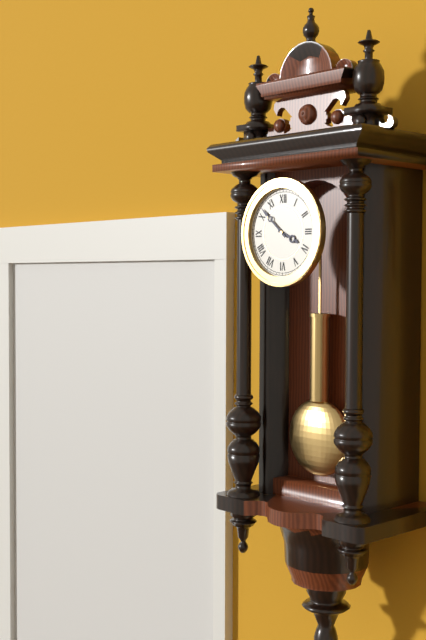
3:52
